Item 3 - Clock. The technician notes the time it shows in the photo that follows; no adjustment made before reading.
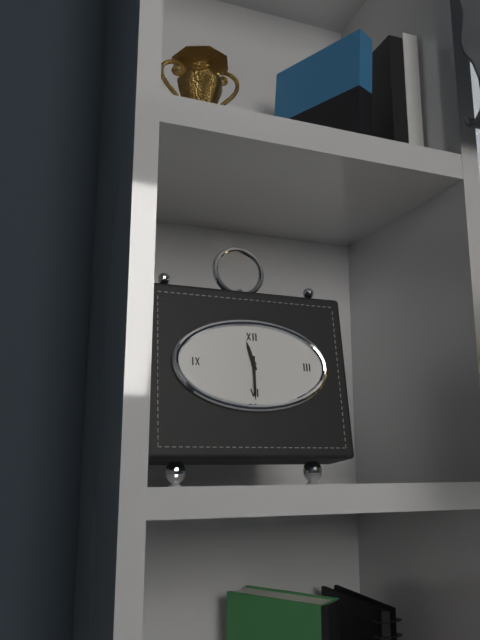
11:30
